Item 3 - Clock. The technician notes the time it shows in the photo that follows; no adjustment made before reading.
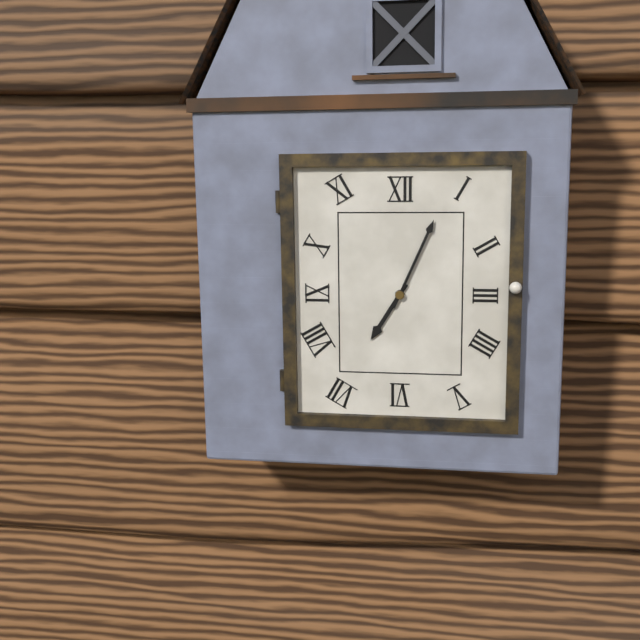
7:04
